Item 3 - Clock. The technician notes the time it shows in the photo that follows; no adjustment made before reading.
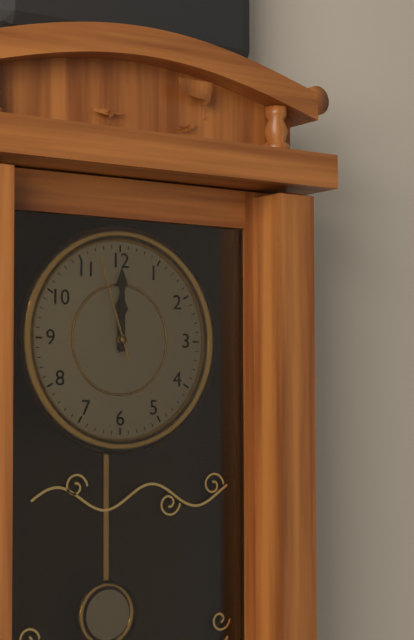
12:00:57
